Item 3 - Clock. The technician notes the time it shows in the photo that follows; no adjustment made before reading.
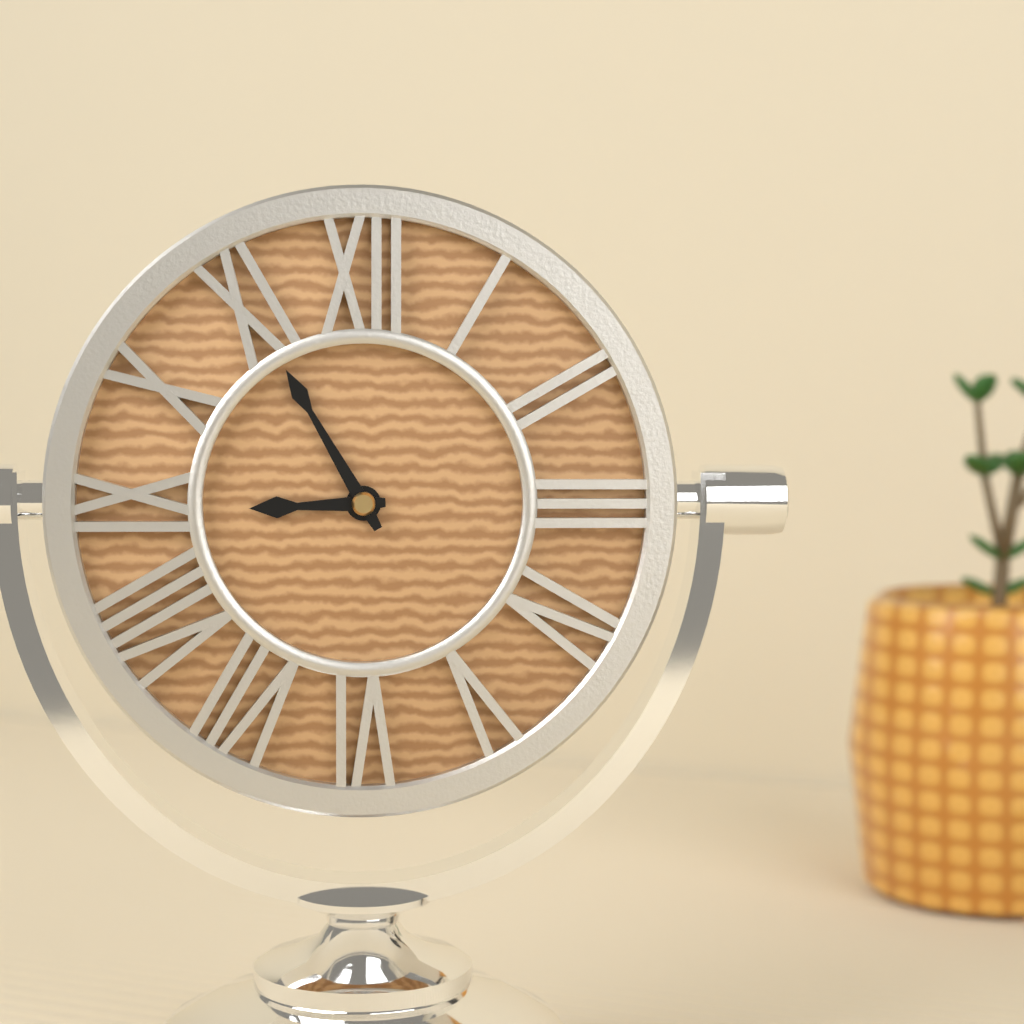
8:55
